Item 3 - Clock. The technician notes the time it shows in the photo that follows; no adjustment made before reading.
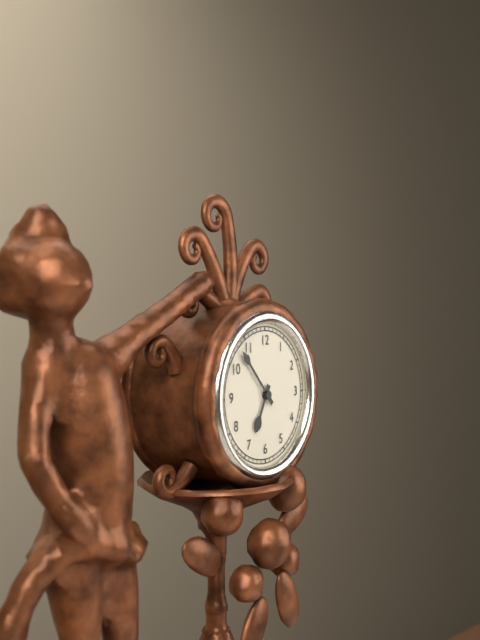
6:53
